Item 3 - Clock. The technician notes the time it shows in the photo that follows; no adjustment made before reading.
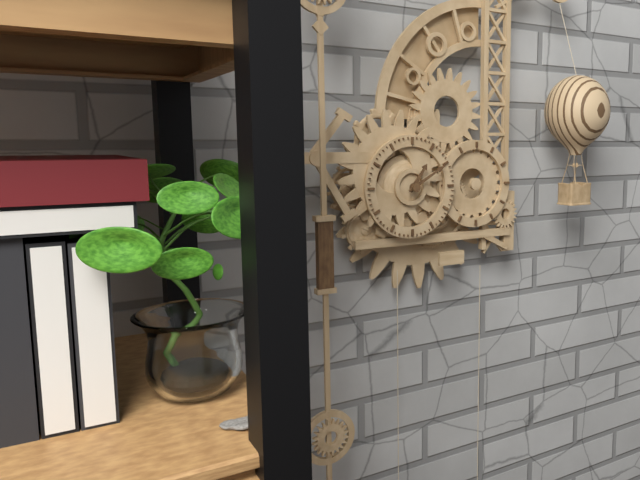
1:10
